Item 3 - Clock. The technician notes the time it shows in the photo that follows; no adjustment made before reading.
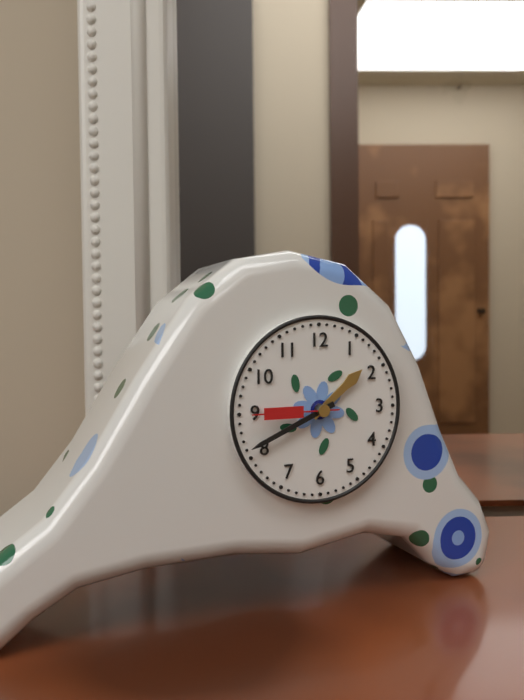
1:41:45
